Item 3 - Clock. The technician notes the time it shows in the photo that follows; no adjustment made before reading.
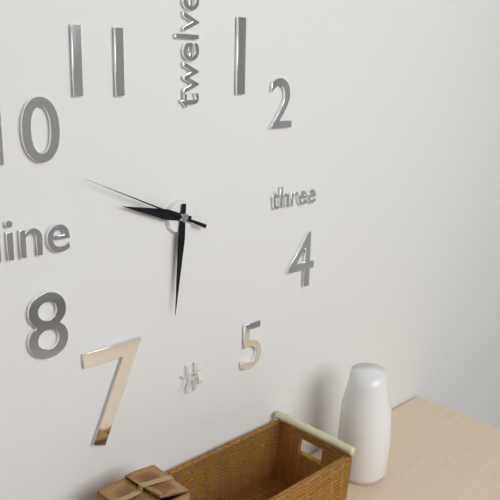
9:31:49
